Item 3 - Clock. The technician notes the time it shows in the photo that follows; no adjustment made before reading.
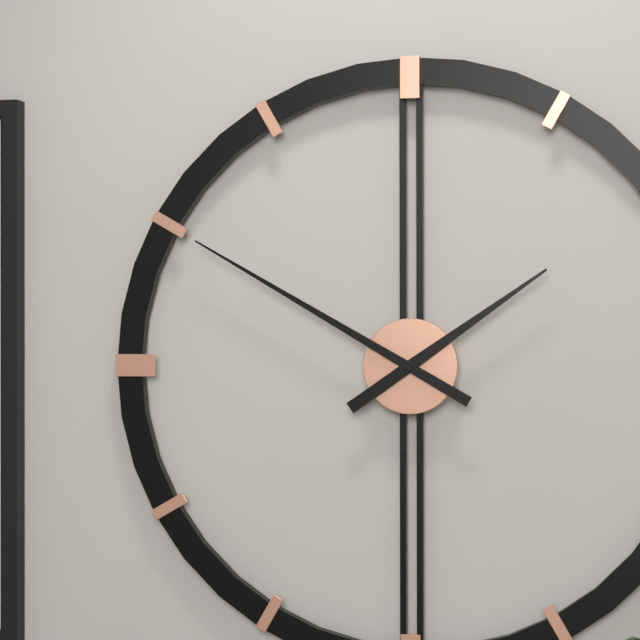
1:50
